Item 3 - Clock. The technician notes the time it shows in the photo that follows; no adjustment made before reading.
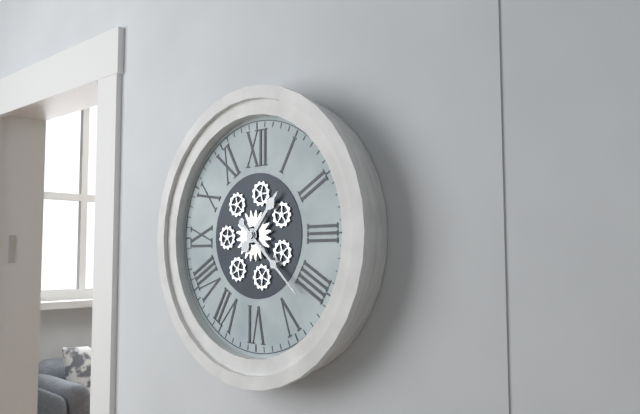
1:22
